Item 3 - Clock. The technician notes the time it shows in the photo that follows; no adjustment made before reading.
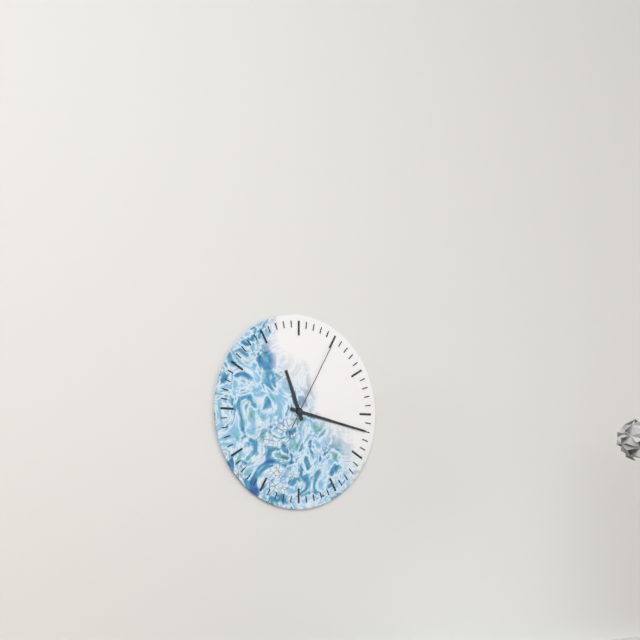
11:17:05
